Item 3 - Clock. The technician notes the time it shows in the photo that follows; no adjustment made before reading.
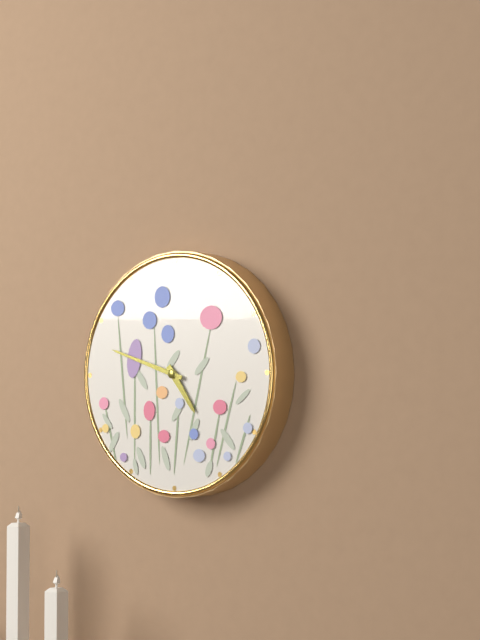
4:48
